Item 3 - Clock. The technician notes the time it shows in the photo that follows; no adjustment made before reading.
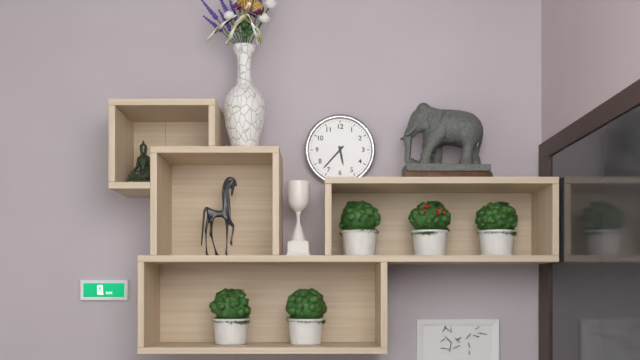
5:37
